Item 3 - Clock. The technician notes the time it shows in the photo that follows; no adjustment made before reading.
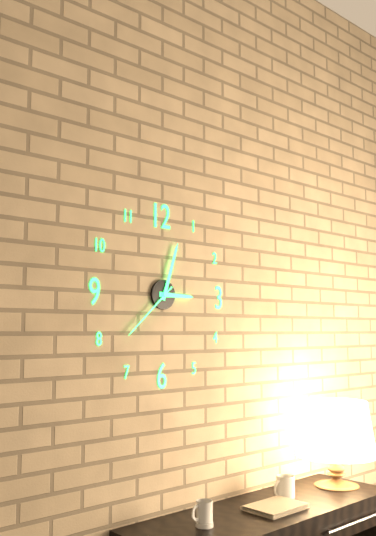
3:03:38
